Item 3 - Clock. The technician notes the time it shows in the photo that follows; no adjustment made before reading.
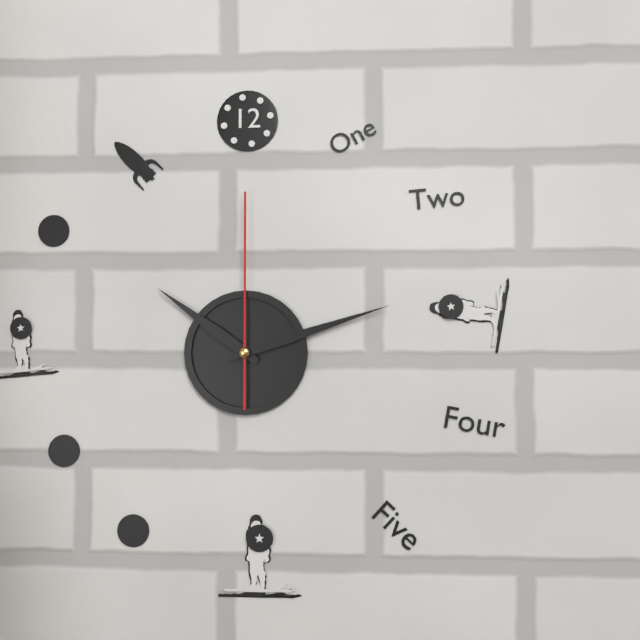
10:12:00
